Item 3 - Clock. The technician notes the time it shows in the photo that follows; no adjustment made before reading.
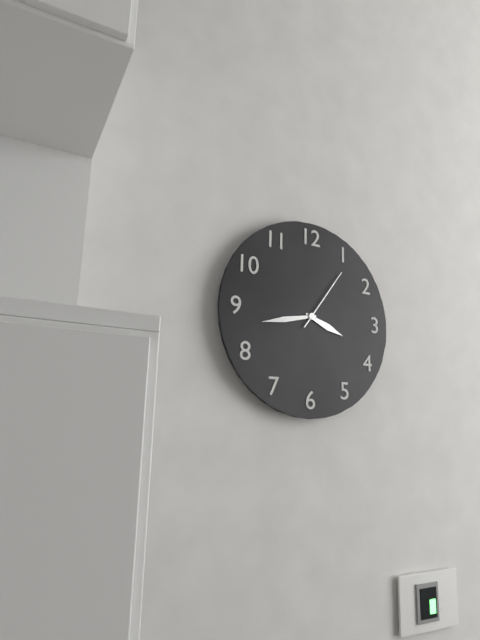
3:43:06
